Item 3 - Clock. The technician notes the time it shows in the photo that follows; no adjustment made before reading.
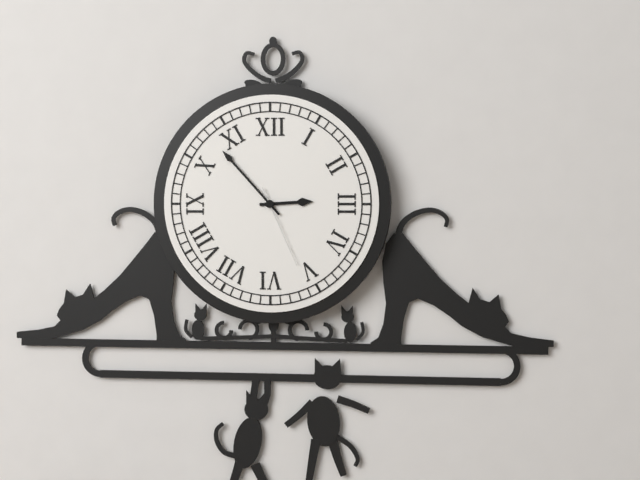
2:53:26
